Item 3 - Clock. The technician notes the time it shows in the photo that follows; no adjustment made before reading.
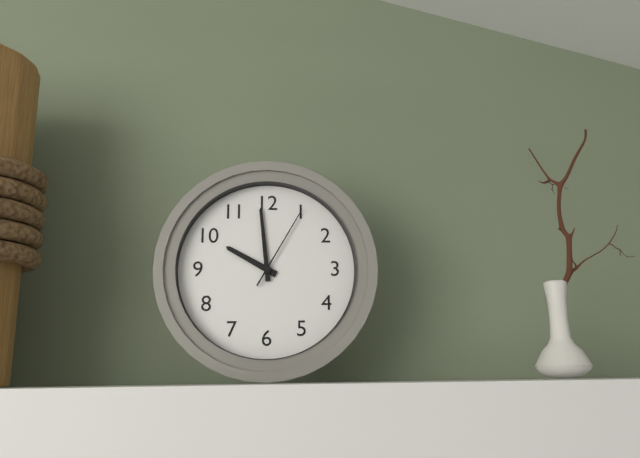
9:59:05
